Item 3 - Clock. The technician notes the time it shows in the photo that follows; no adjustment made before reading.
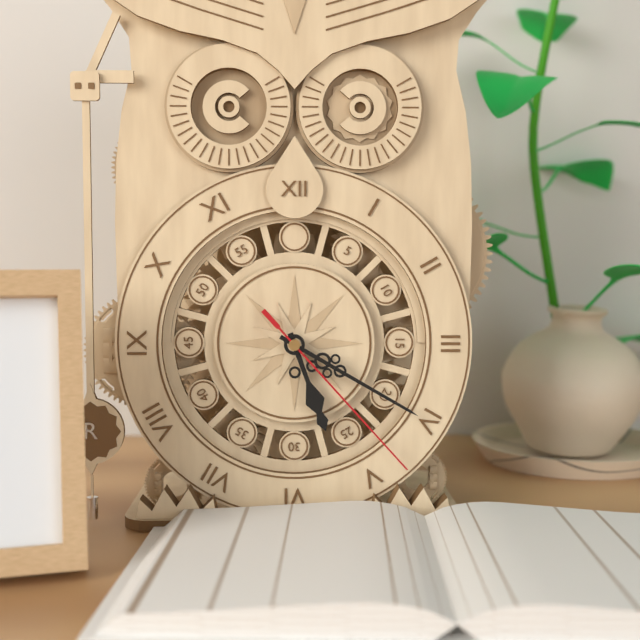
5:20:23
